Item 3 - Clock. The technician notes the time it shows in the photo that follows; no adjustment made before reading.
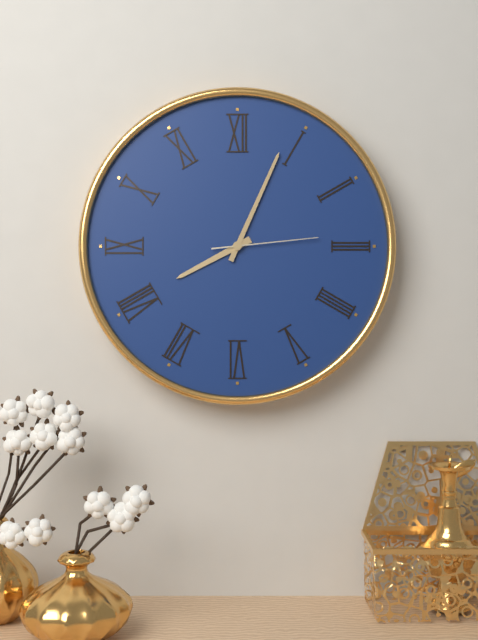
8:04:14
